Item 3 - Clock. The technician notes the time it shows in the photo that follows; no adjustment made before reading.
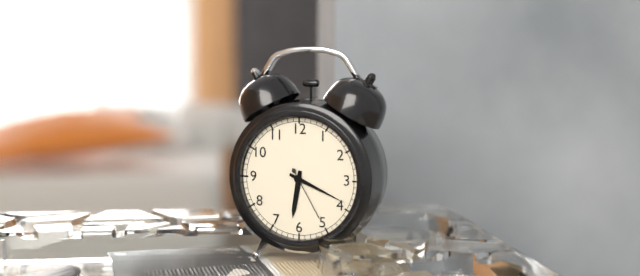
6:19:25
